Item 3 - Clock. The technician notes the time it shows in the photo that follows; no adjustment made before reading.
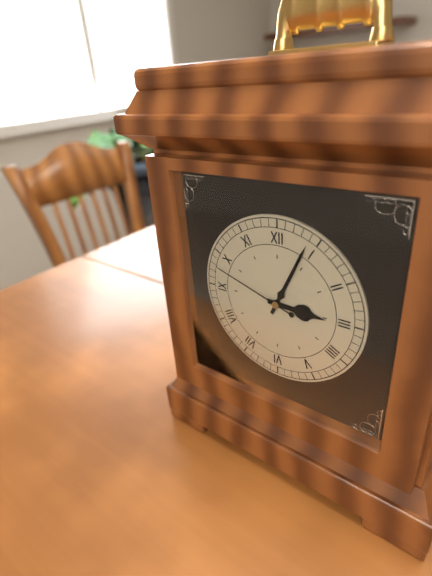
3:04:48
